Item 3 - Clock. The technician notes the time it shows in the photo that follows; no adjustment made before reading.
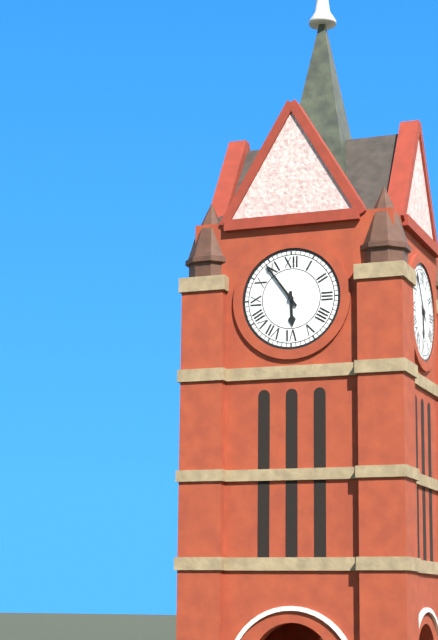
5:54
